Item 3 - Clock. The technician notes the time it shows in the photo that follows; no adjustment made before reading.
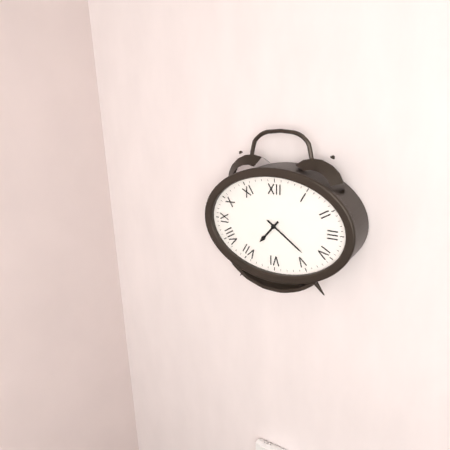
7:21
